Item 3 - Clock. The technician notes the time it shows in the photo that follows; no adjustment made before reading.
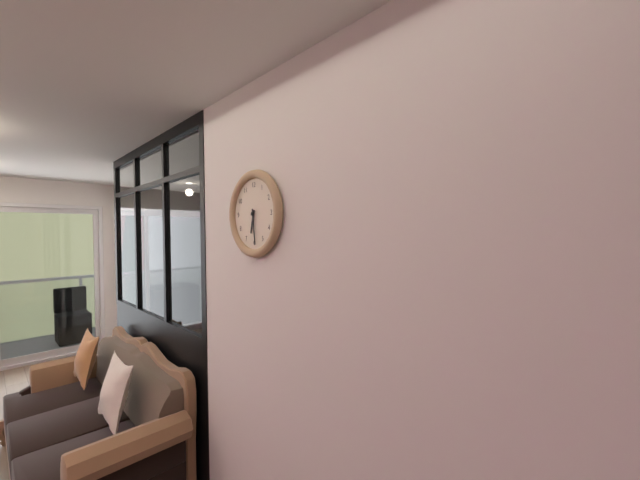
6:29
